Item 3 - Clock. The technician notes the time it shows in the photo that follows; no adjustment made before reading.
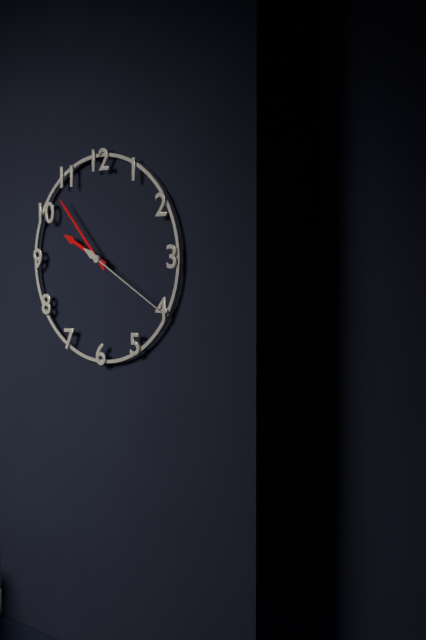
9:53:20
